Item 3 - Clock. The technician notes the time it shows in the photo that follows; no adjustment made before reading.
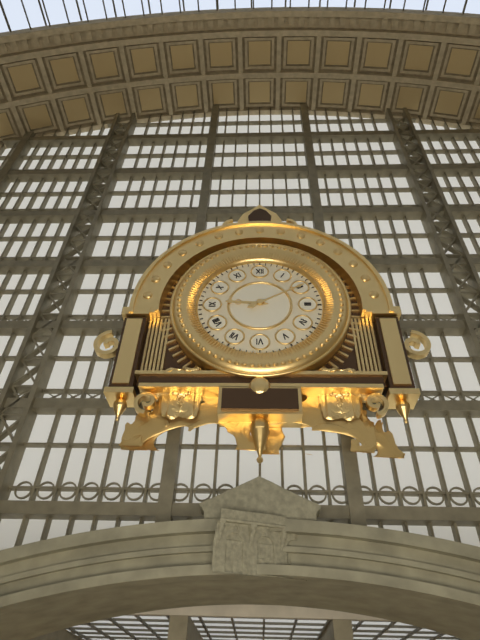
9:10
